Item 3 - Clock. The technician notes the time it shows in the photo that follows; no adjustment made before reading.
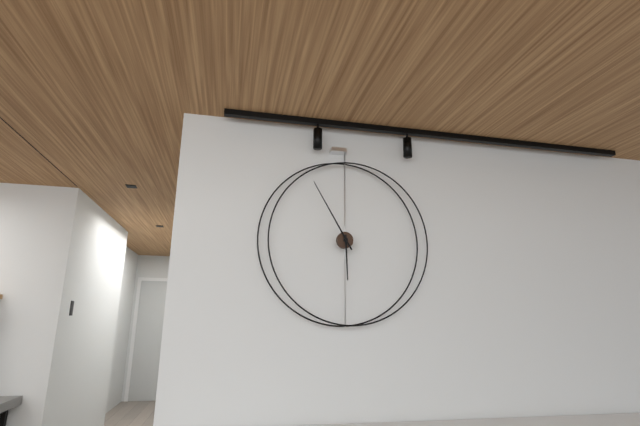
5:55
